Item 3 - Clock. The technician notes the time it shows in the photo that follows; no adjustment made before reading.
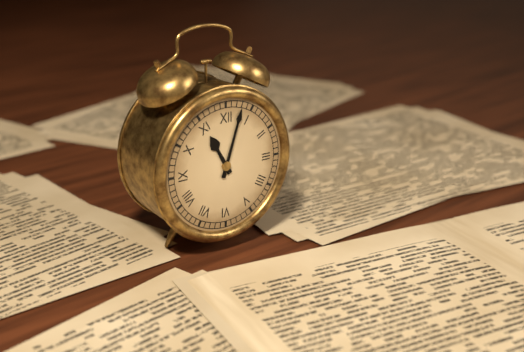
11:03
